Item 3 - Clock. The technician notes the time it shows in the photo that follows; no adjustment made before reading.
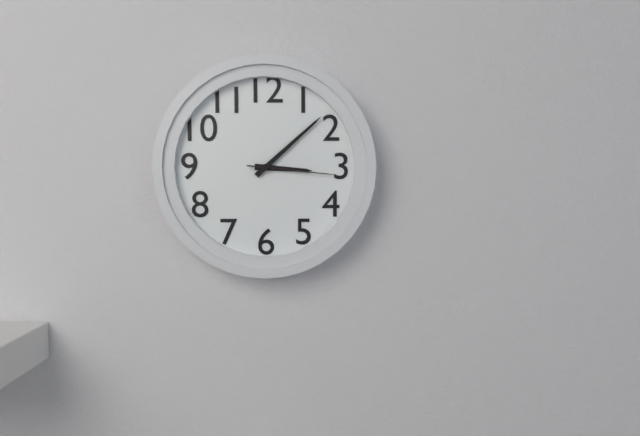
3:08:16
